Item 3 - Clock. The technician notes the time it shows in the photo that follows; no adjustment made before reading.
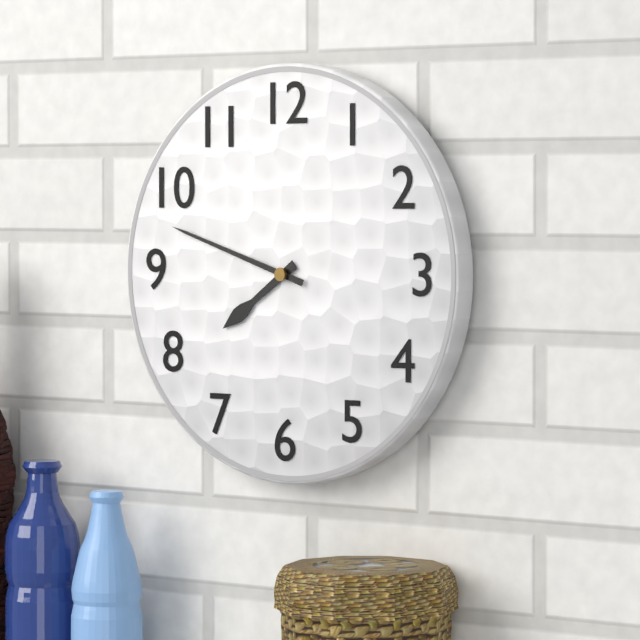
7:48
